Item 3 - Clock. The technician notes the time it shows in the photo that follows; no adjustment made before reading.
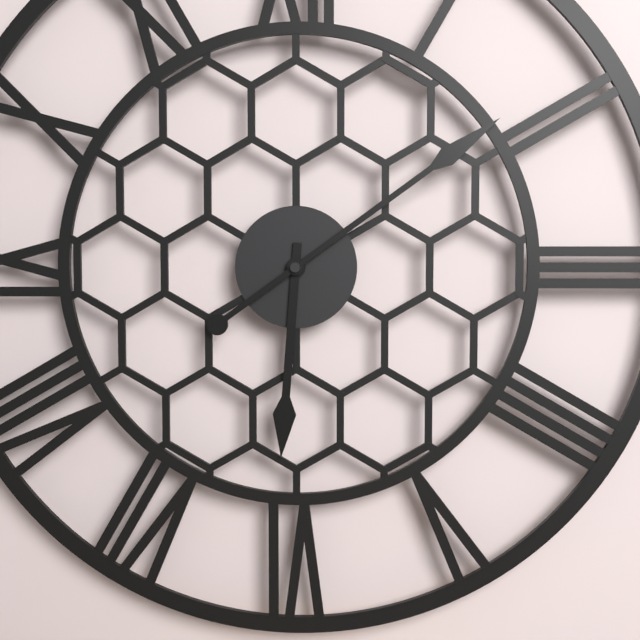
6:09
